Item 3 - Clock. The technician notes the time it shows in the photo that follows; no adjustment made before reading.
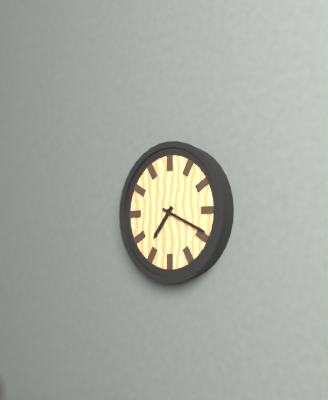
7:19
